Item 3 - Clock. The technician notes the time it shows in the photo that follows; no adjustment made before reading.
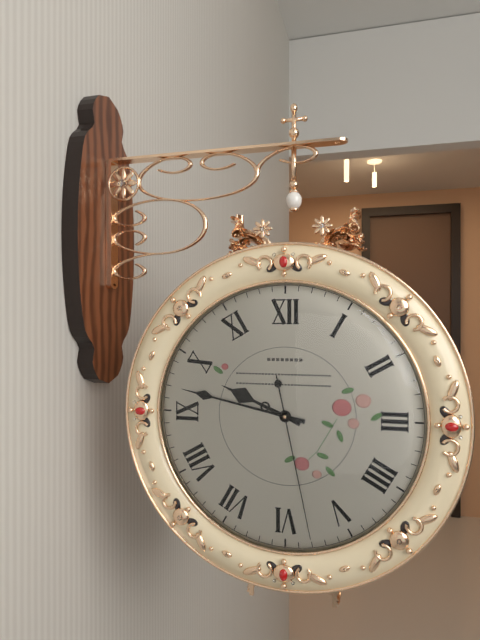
9:47:28
